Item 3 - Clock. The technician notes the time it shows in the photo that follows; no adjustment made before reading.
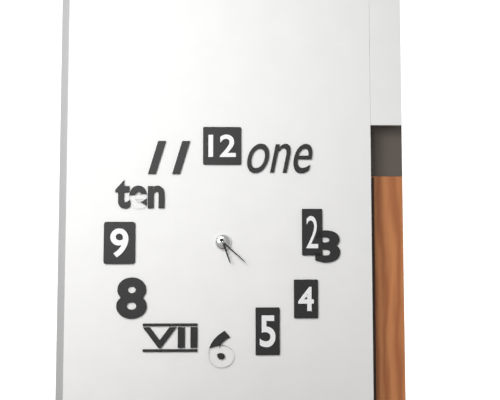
5:22
